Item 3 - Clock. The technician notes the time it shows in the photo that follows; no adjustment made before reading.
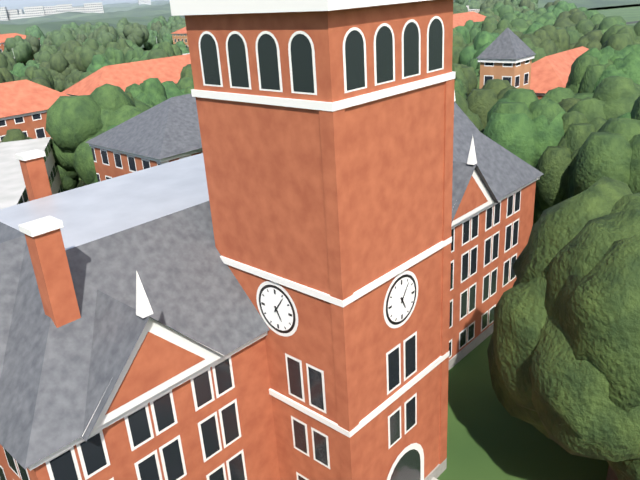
5:06
